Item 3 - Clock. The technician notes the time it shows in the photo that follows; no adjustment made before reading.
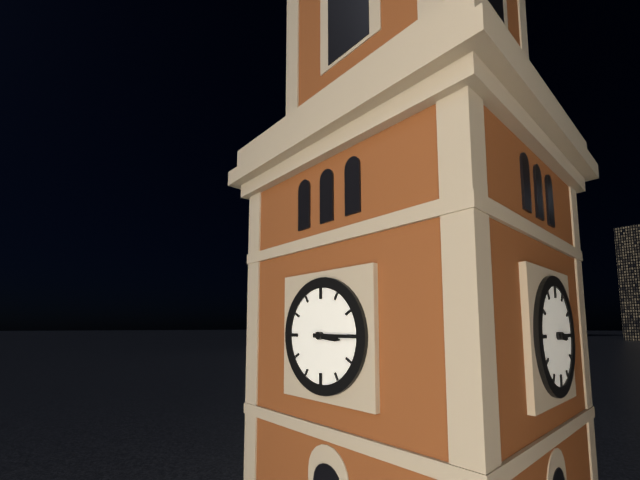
3:15
